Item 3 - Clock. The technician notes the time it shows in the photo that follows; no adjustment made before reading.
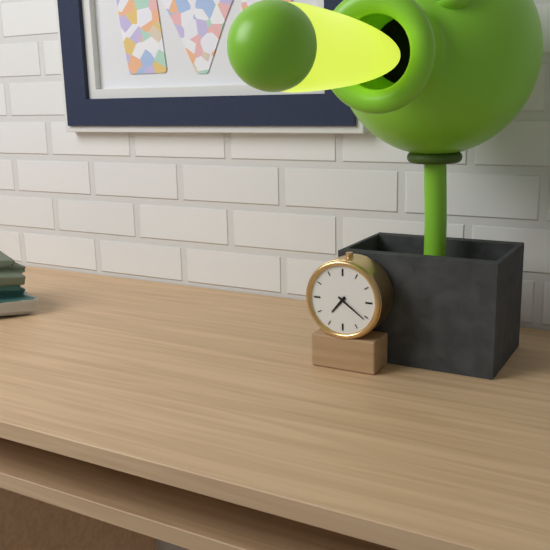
7:21
